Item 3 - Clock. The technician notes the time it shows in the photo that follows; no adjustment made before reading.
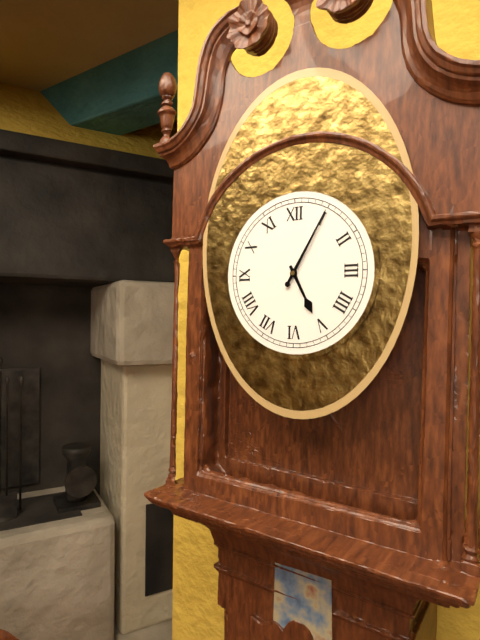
5:05
